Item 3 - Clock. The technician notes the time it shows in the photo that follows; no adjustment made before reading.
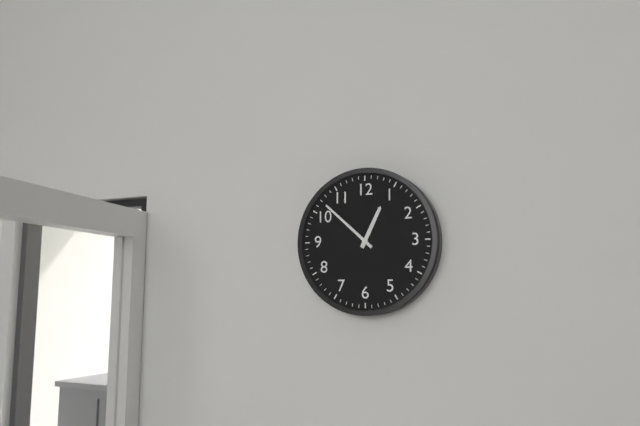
12:52
